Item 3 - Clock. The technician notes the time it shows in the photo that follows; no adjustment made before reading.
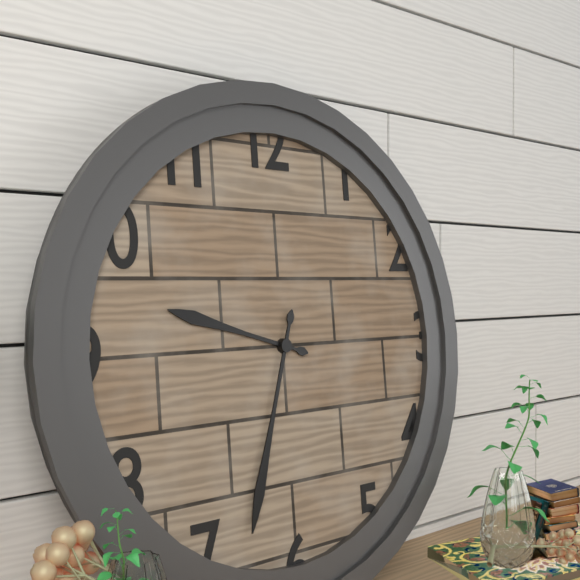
9:33
